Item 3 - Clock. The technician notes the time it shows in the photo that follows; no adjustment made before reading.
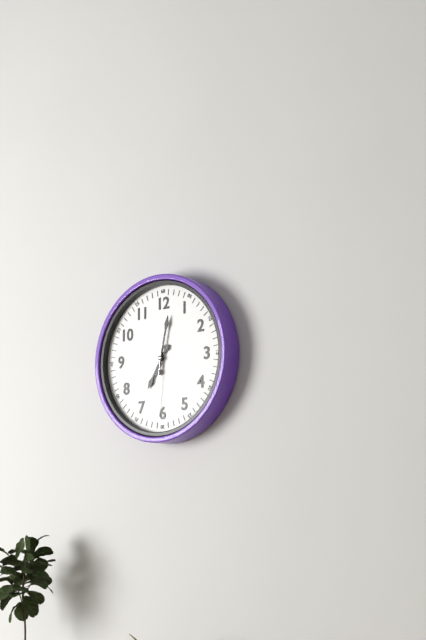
7:02:31
